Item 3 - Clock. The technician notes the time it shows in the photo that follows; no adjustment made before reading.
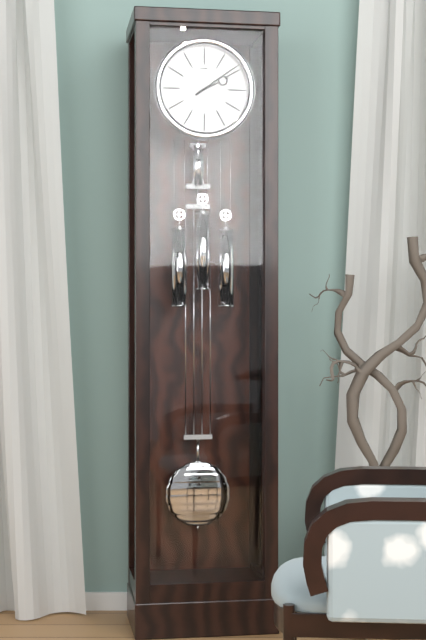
2:09
